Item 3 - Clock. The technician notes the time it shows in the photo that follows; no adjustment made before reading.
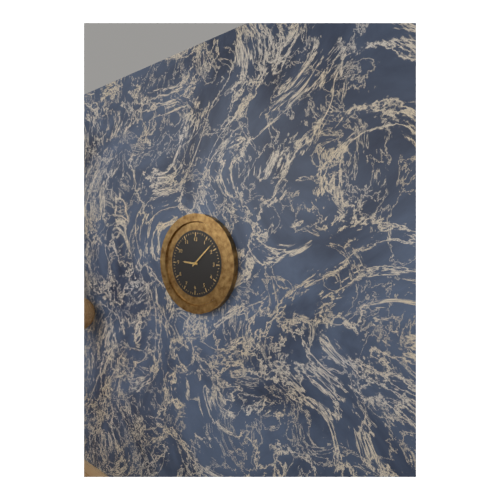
9:08
